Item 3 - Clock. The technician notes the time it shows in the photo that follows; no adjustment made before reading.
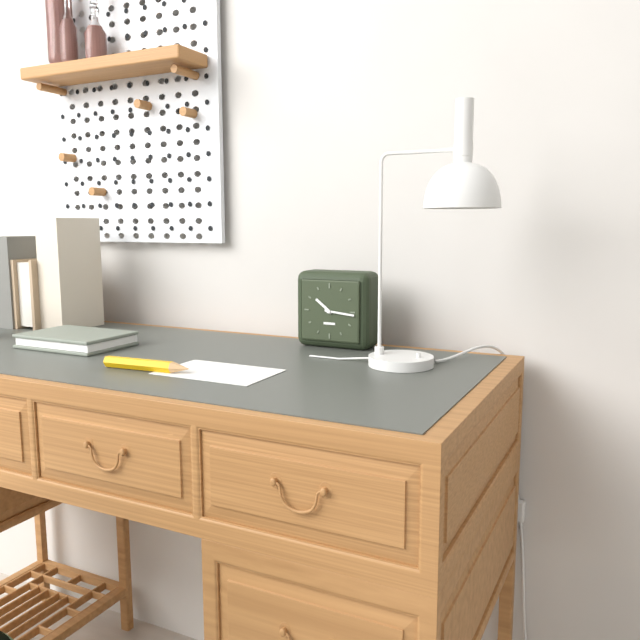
10:16
